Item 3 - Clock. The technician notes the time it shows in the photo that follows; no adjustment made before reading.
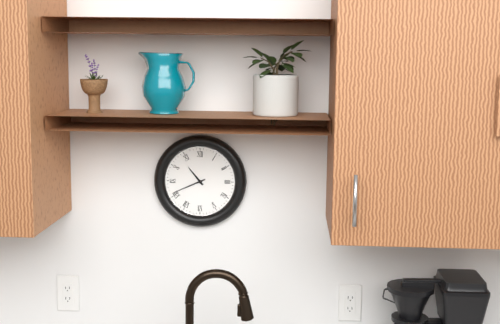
10:41
